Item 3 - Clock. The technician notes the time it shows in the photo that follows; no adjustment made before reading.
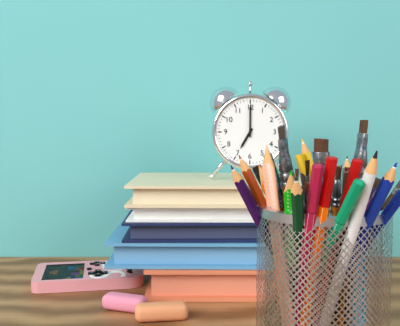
7:00
